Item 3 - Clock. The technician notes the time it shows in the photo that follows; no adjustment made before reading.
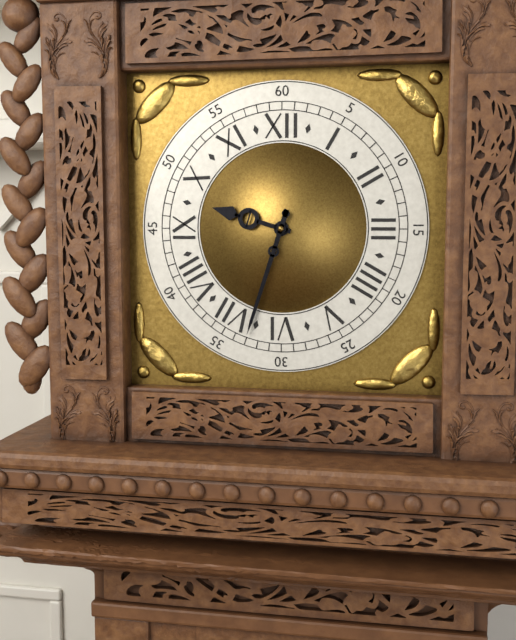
9:33
